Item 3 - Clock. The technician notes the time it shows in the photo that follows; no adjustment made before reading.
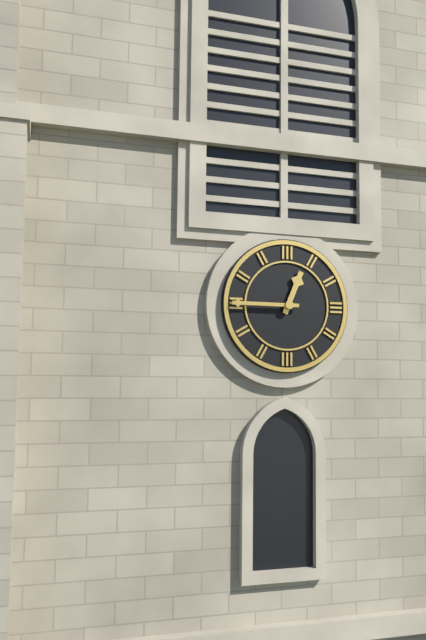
12:45
